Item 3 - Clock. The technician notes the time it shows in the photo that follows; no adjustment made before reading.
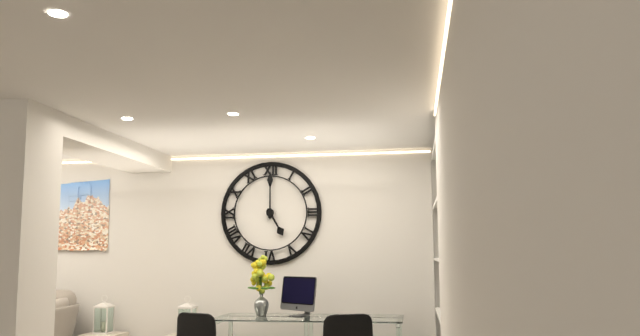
5:00
